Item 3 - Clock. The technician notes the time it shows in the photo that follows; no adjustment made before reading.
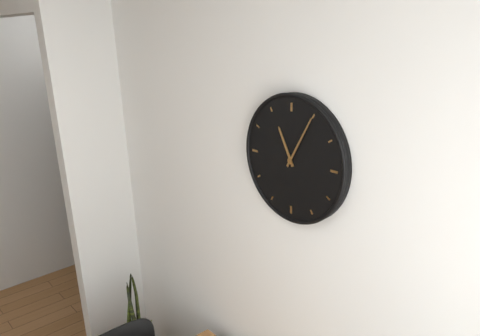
11:05
